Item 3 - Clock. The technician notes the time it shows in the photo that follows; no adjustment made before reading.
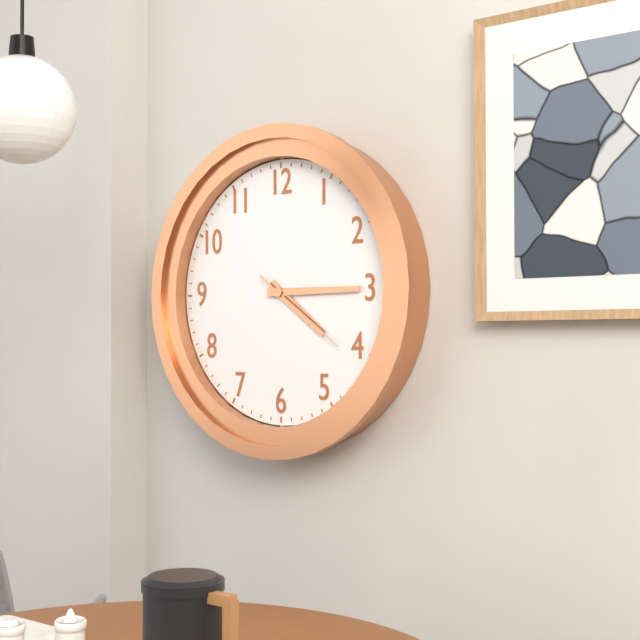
4:15:21
